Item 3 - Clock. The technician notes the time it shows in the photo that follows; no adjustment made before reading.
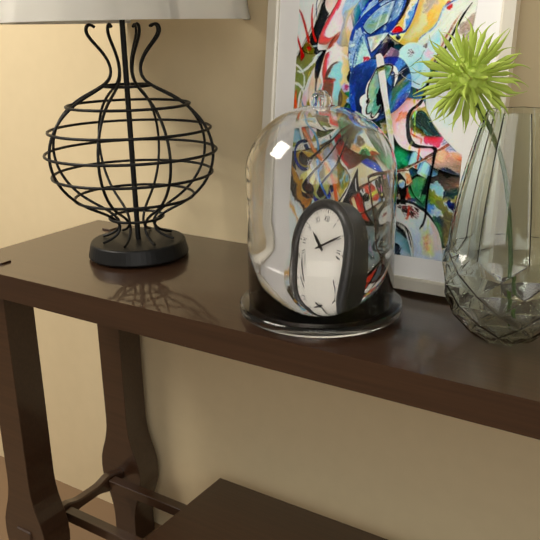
10:10
